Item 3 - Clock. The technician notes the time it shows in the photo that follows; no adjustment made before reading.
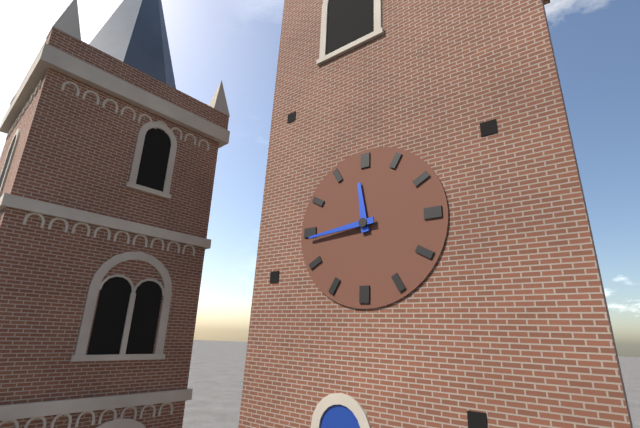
11:44
